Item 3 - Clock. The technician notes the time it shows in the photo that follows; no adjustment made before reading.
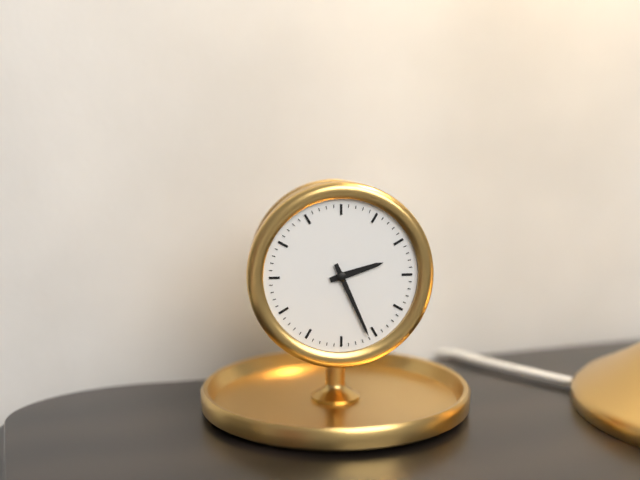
2:26
